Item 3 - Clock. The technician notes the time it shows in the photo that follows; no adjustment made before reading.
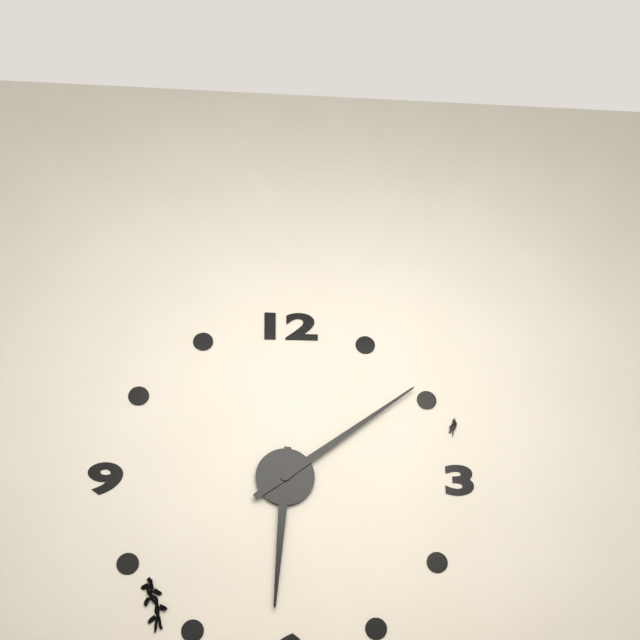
6:09
